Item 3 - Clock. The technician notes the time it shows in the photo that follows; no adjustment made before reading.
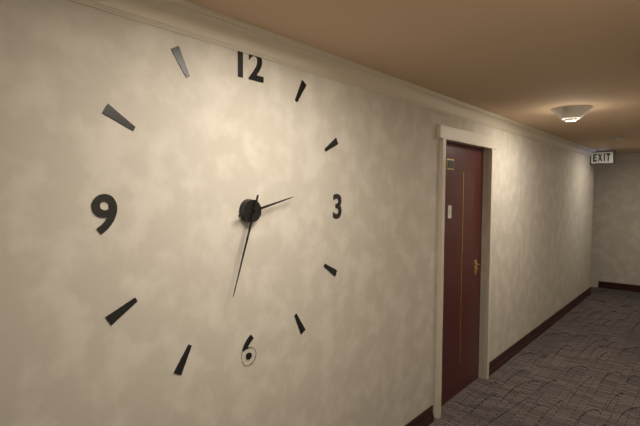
2:33
